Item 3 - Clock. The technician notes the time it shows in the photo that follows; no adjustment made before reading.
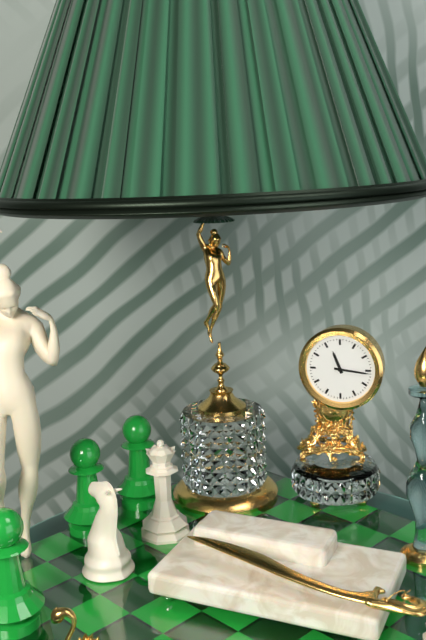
11:16
